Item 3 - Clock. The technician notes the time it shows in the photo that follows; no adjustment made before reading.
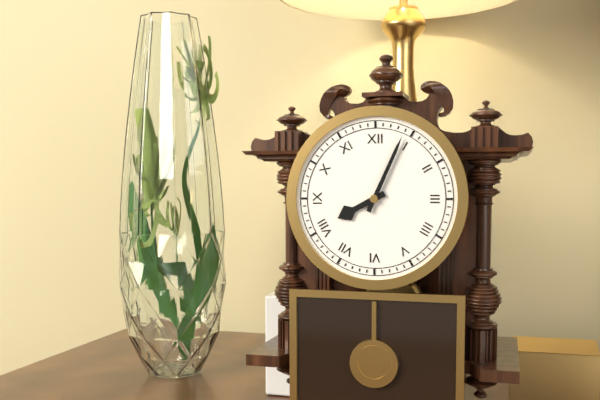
8:04
